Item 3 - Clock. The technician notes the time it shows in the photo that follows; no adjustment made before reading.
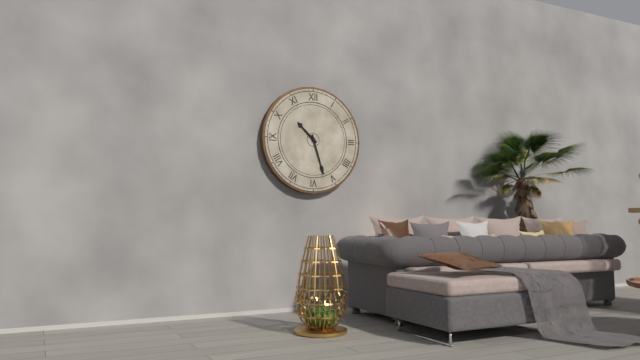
10:27
